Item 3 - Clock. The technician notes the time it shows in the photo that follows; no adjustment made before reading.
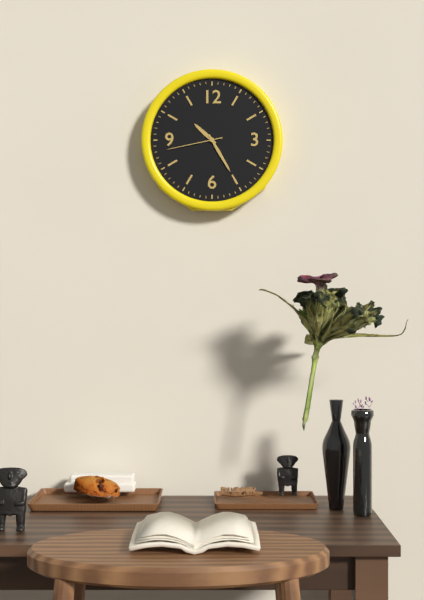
10:25:43
